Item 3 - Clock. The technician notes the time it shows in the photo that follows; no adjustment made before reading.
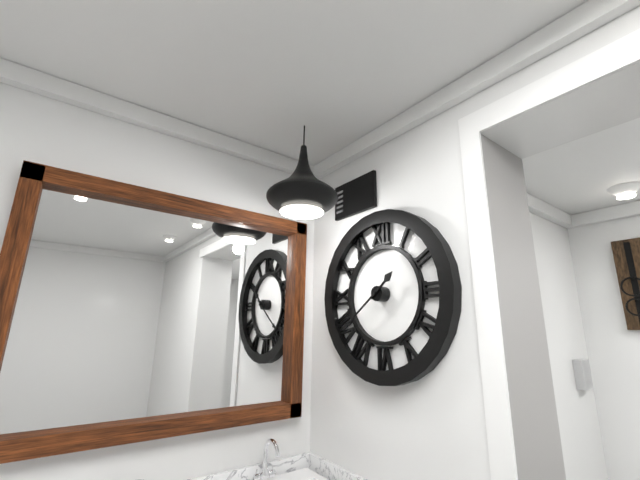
1:39
